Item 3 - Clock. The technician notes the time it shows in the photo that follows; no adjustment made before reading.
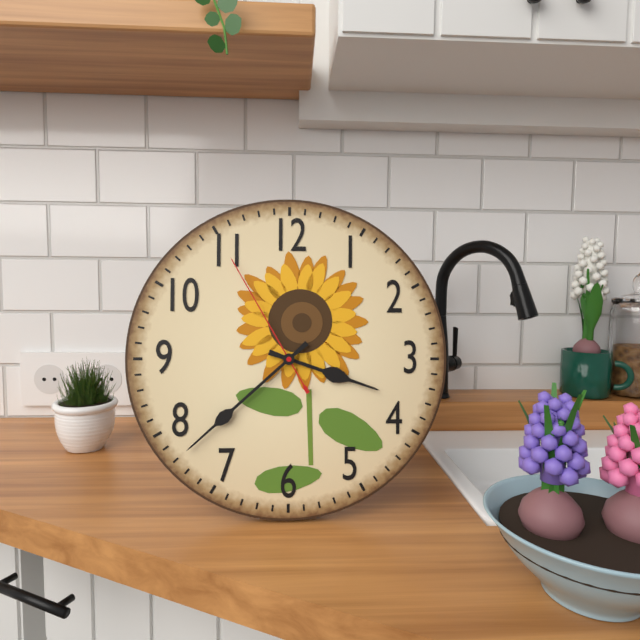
3:38:55
